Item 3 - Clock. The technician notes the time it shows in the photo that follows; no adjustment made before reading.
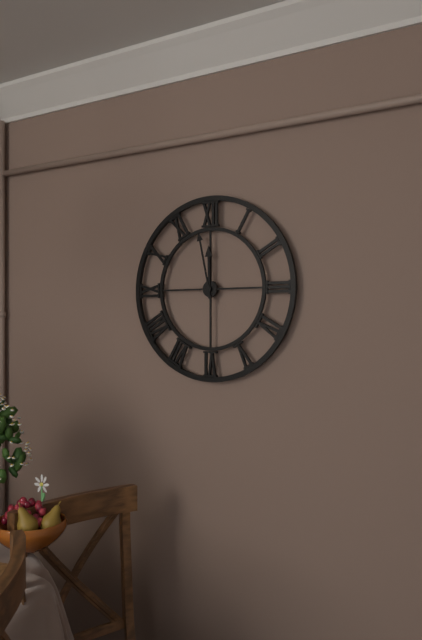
11:58
